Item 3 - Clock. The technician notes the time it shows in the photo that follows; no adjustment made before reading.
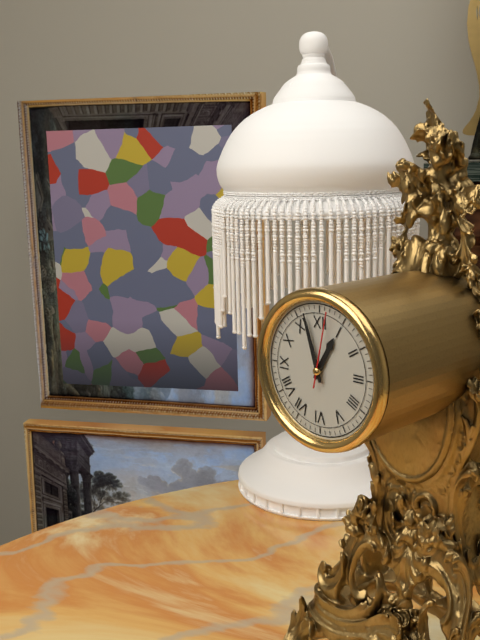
12:57:02
